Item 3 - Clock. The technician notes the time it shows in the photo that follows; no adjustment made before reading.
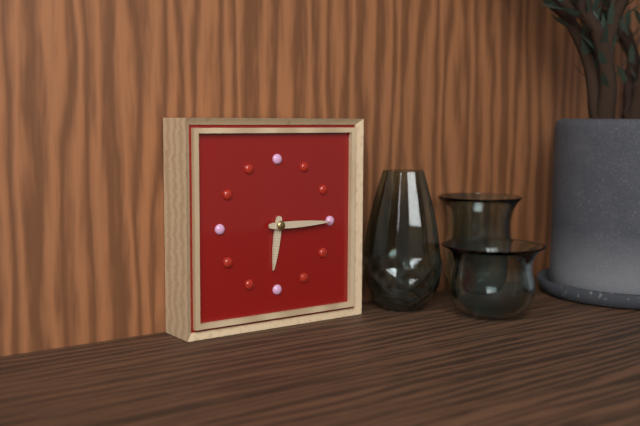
6:15
